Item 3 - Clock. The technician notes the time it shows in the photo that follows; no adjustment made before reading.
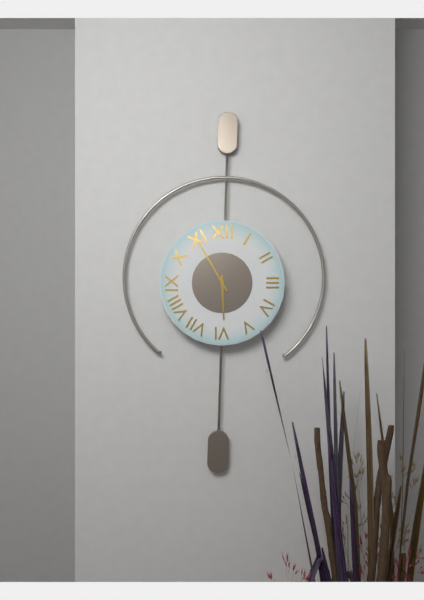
5:55
